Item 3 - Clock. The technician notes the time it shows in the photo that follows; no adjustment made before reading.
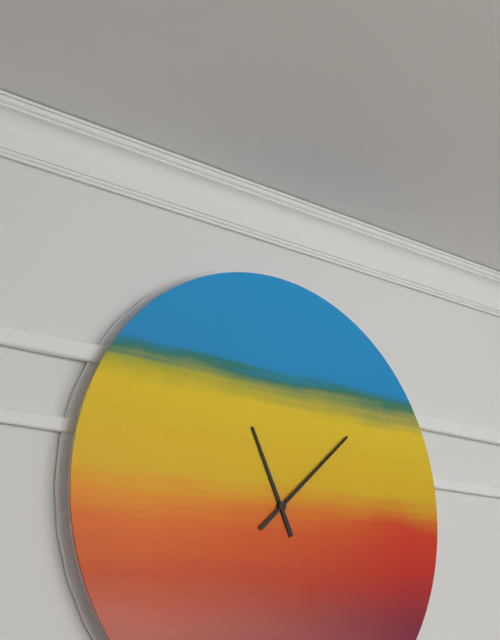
11:08
